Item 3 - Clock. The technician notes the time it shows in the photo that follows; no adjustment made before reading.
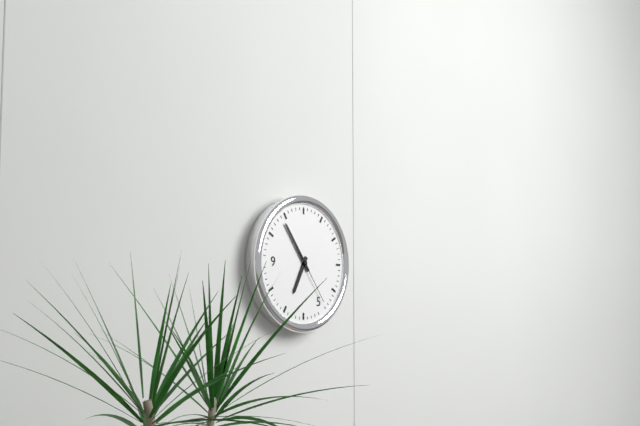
6:54:24
